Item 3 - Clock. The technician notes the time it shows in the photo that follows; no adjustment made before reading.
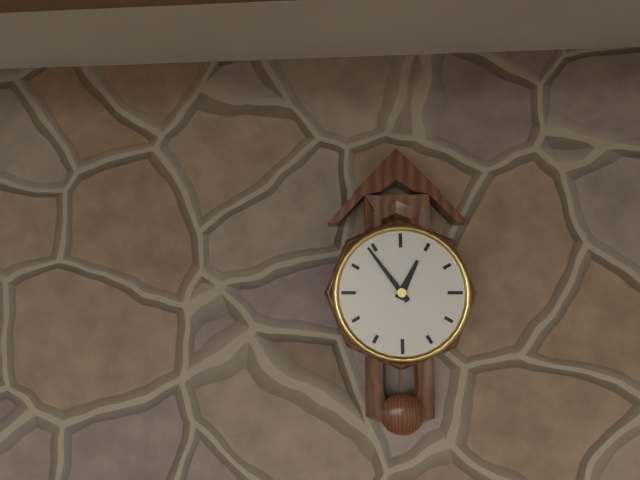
12:54
